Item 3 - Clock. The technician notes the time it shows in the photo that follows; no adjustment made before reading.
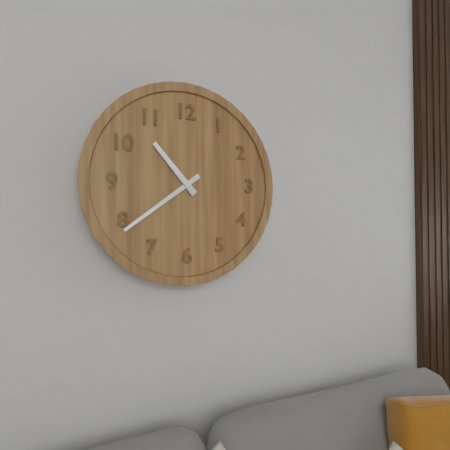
10:39
